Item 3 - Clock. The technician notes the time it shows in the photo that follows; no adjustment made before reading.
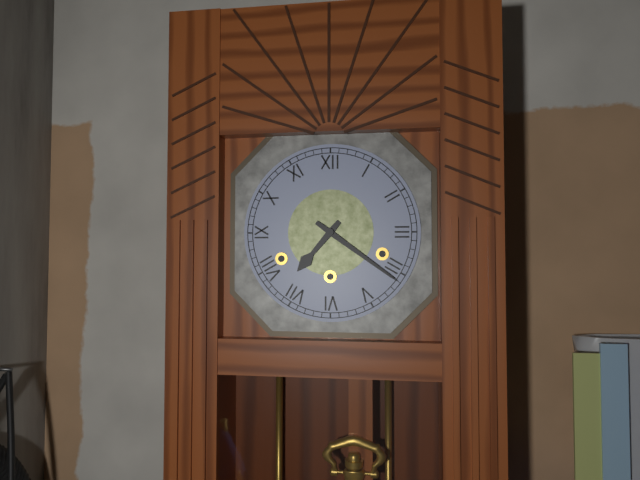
7:21
